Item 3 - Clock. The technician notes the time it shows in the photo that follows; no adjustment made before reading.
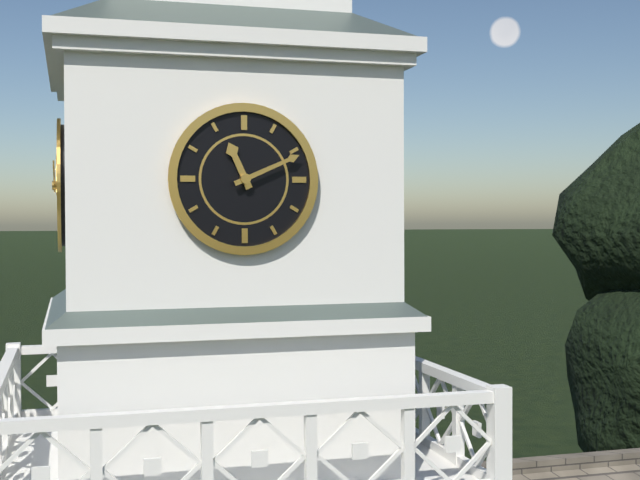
11:11
